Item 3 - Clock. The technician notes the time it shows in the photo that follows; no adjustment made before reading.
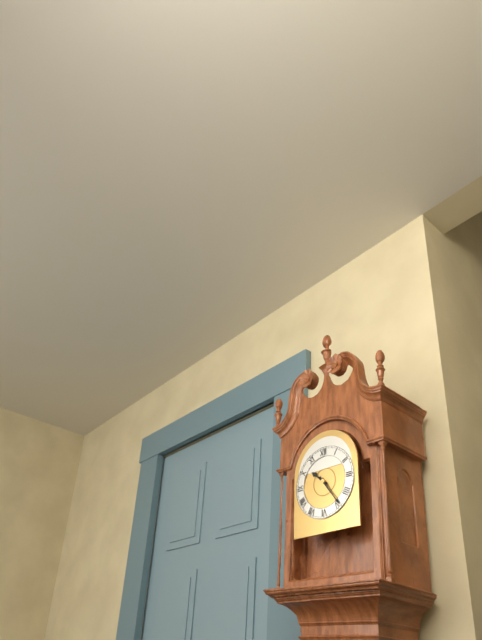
10:24
